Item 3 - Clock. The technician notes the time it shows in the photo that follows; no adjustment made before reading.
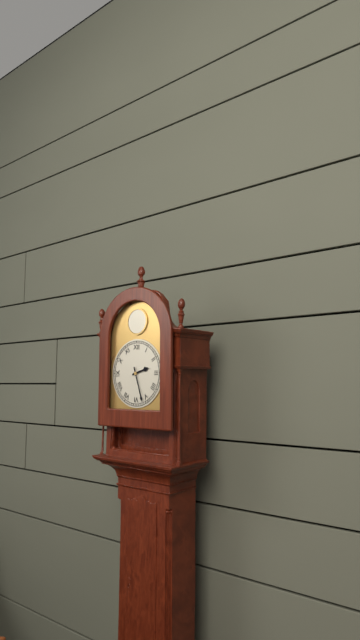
2:27
